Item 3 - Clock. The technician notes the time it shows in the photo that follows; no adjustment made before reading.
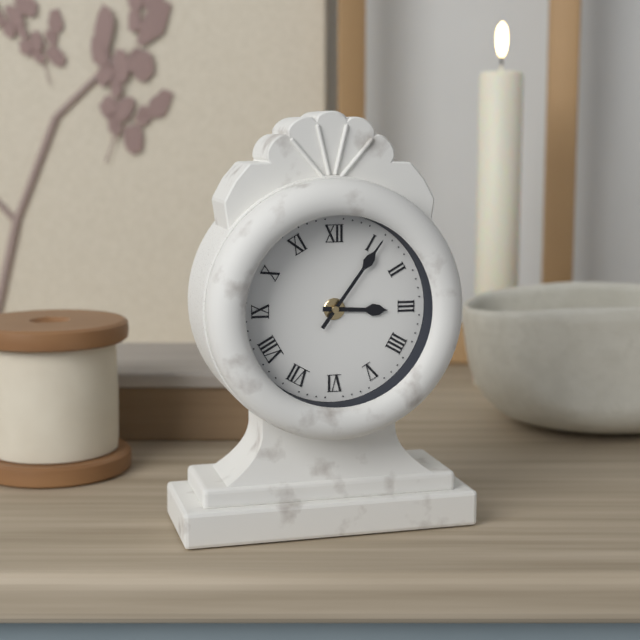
3:06
